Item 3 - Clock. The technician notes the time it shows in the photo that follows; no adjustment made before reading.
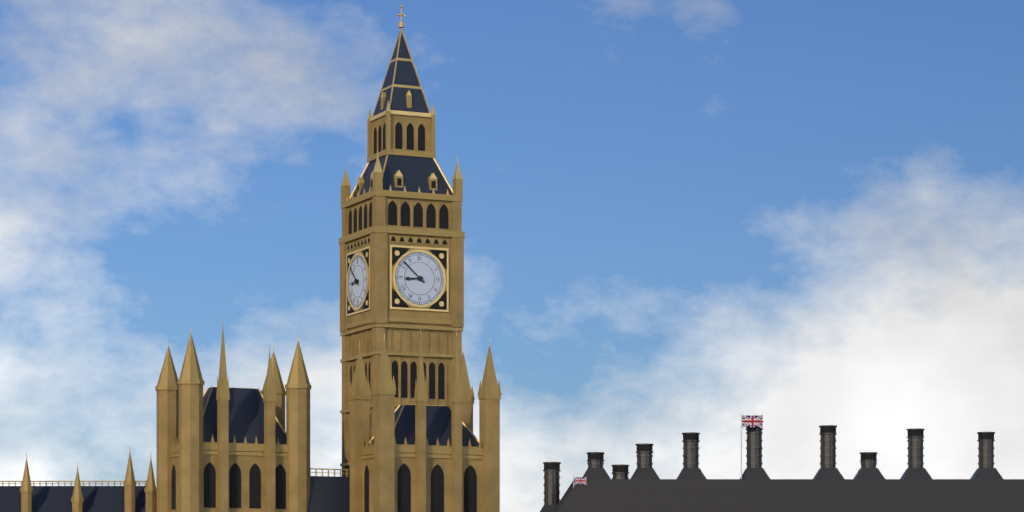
8:52
